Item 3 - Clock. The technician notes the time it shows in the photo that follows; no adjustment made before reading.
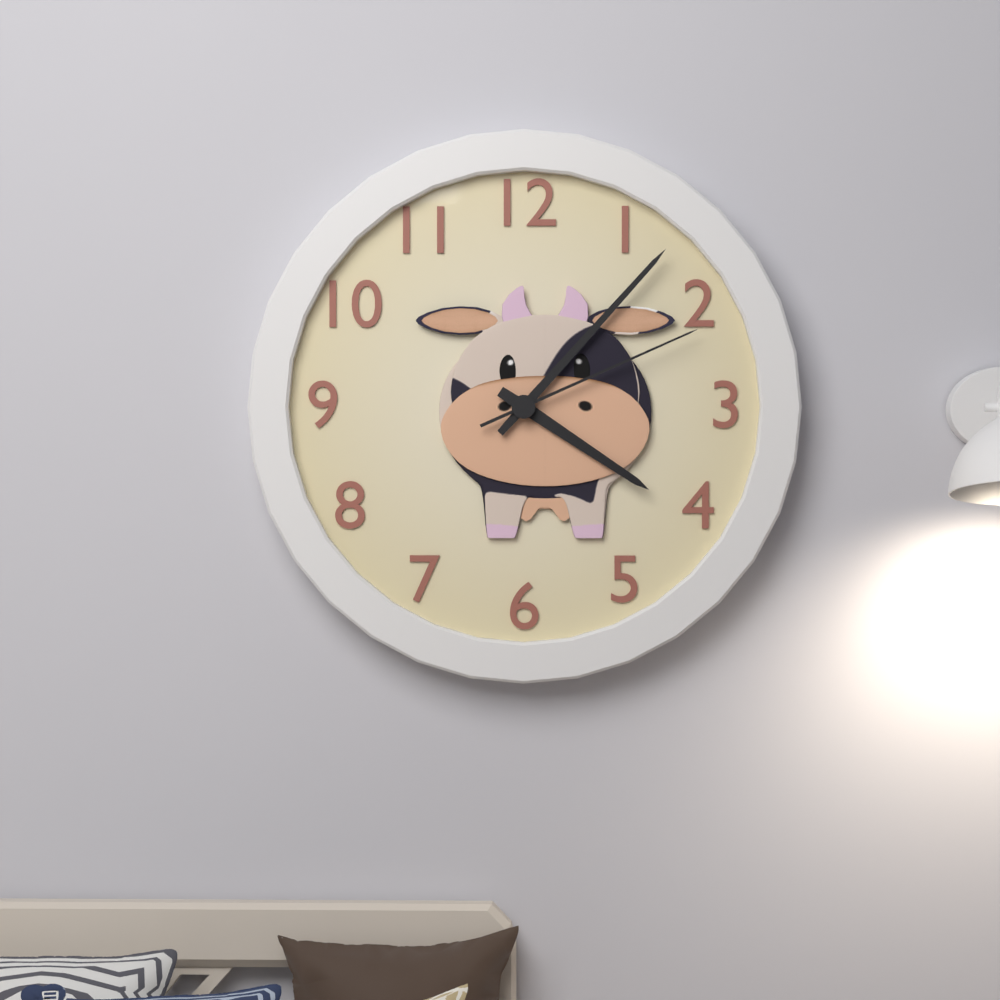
4:07:11
